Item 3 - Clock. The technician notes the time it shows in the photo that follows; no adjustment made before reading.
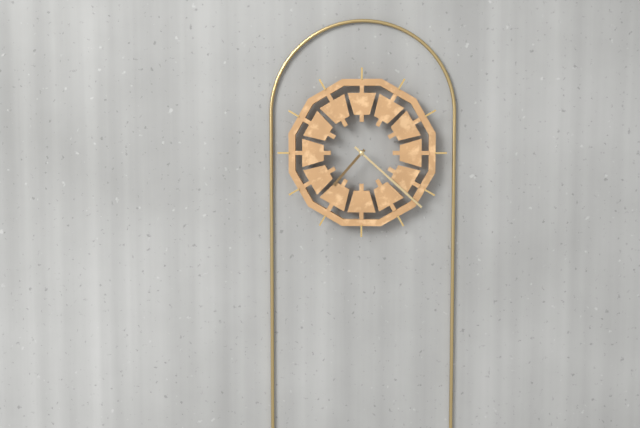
7:22
